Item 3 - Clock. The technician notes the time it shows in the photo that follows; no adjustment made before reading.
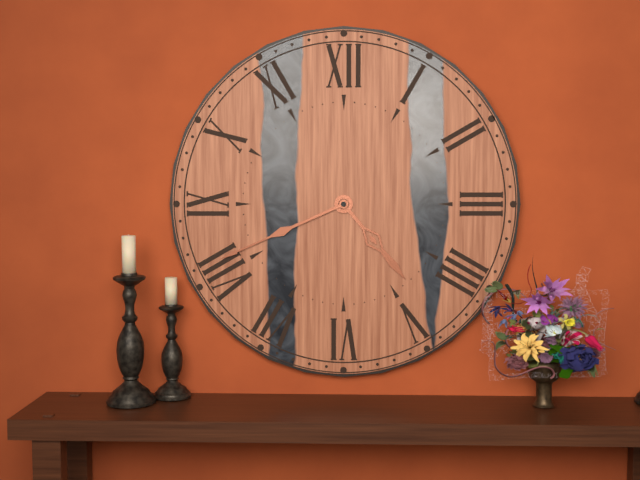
4:41
